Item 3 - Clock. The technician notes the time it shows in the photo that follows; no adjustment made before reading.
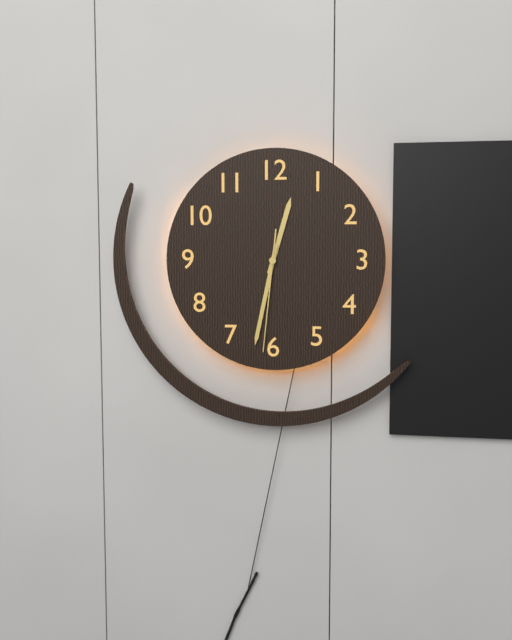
12:32:31
